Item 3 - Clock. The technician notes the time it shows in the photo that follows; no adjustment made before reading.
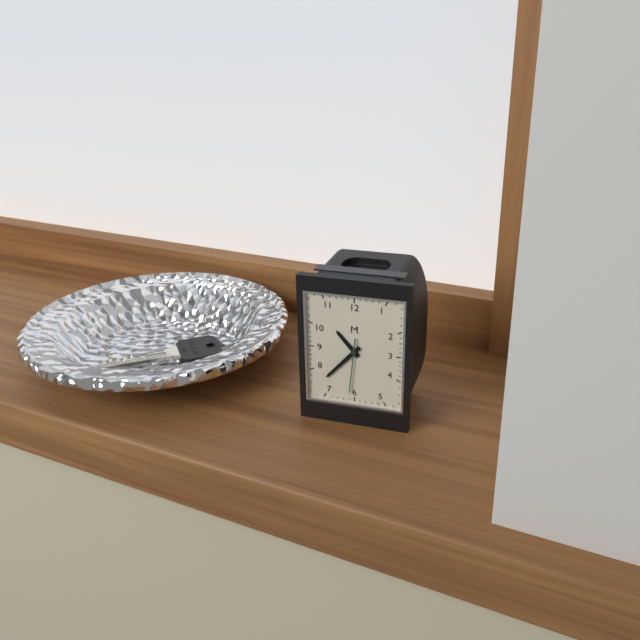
10:37:31
